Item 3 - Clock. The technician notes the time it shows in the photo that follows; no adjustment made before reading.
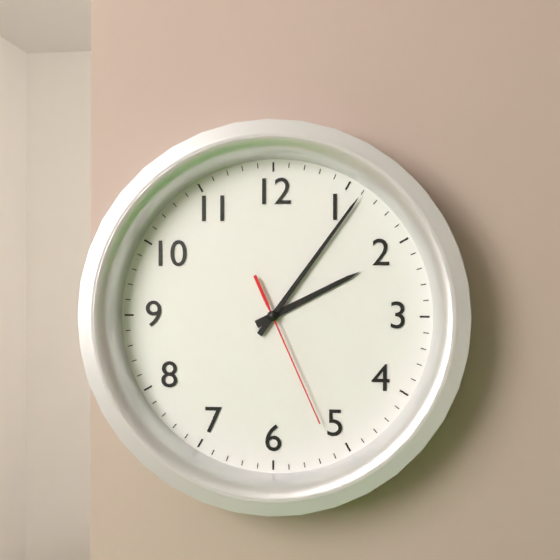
2:06:26
